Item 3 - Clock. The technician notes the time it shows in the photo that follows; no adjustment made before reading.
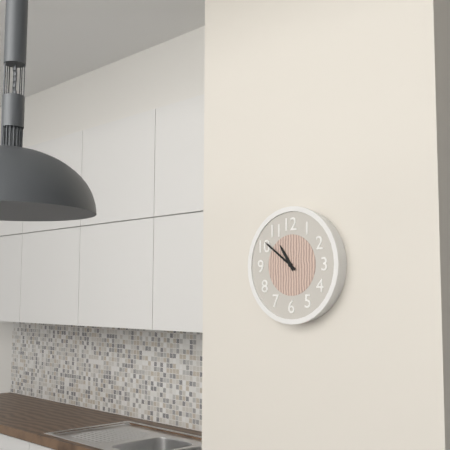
10:51
